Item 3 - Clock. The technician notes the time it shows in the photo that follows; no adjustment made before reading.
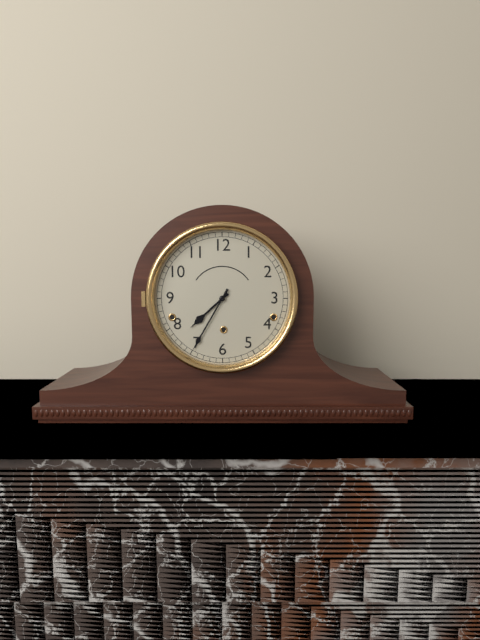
7:35
